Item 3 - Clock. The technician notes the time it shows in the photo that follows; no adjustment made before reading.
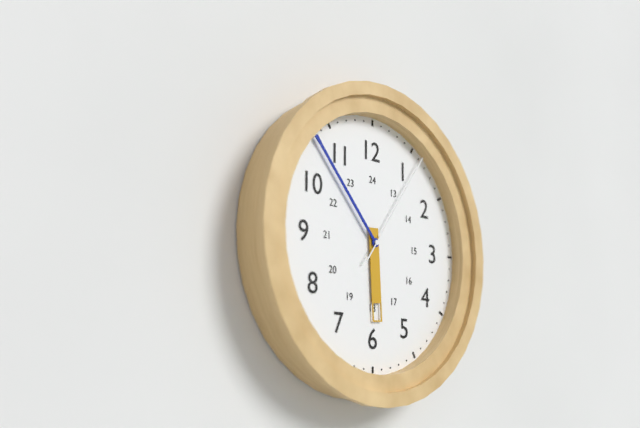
5:53:06
